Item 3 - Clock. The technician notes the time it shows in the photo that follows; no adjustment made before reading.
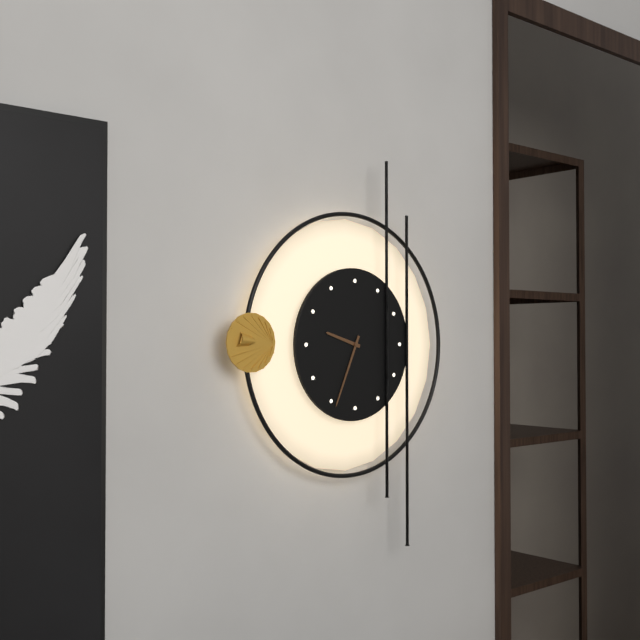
9:34
